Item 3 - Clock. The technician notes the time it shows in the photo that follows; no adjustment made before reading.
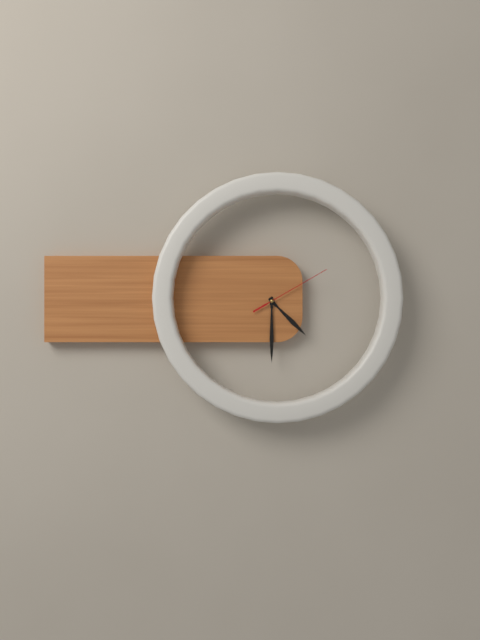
4:30:10
